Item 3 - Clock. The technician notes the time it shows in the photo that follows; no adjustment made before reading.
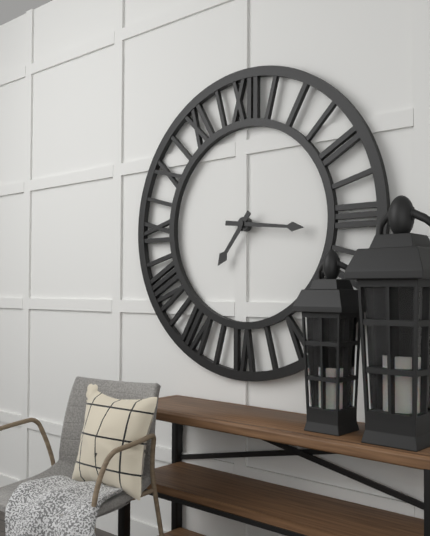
7:16
